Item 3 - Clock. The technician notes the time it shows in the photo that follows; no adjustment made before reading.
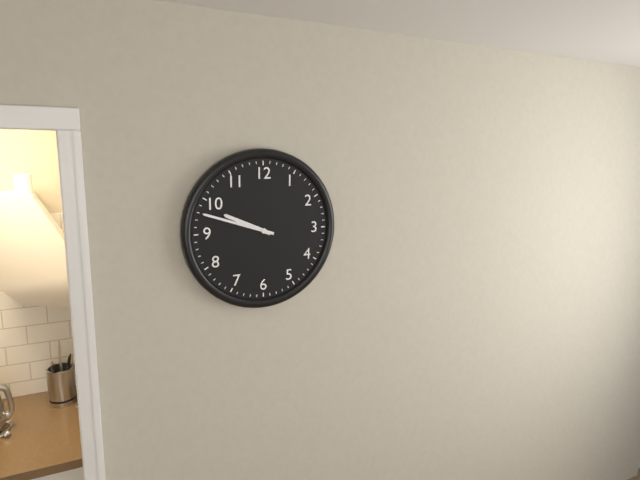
9:48
